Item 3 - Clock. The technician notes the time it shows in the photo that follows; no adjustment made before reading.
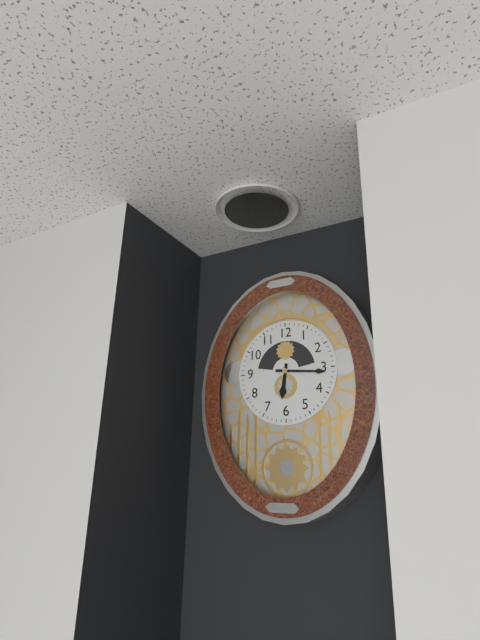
6:16
